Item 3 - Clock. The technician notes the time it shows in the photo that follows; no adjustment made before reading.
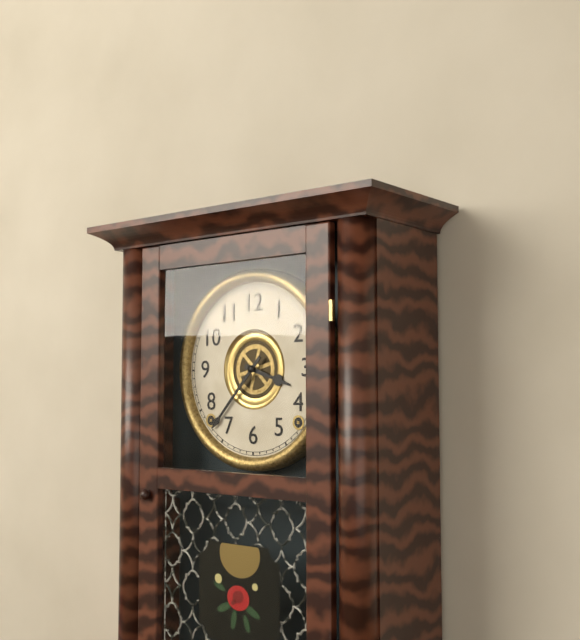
3:37
